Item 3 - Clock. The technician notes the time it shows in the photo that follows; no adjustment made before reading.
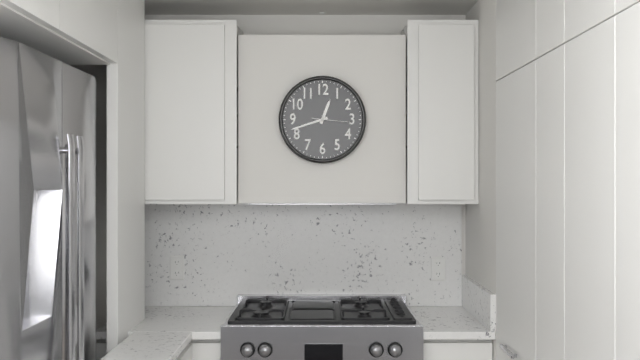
12:42
